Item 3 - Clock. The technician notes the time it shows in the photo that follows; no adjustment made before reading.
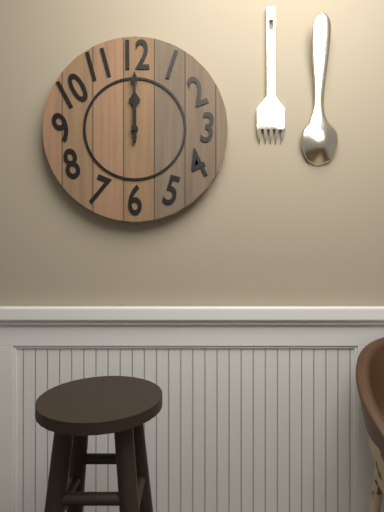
12:00
